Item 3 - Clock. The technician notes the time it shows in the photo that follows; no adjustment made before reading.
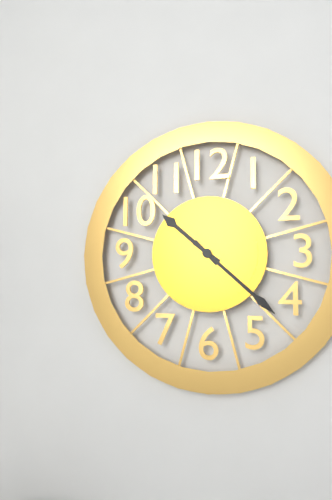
10:22
